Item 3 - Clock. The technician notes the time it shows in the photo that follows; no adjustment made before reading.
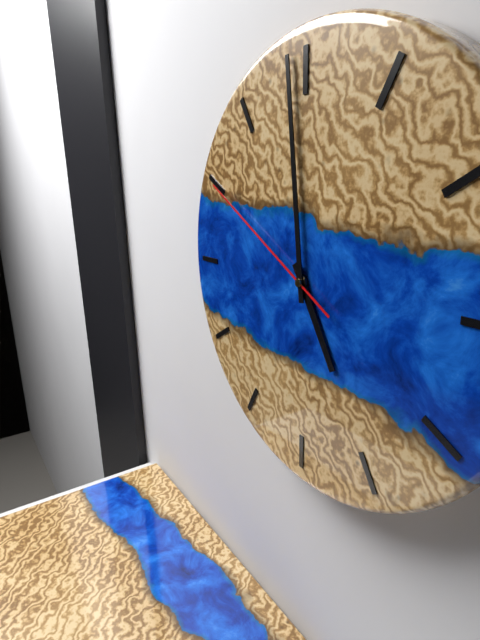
4:59:50
